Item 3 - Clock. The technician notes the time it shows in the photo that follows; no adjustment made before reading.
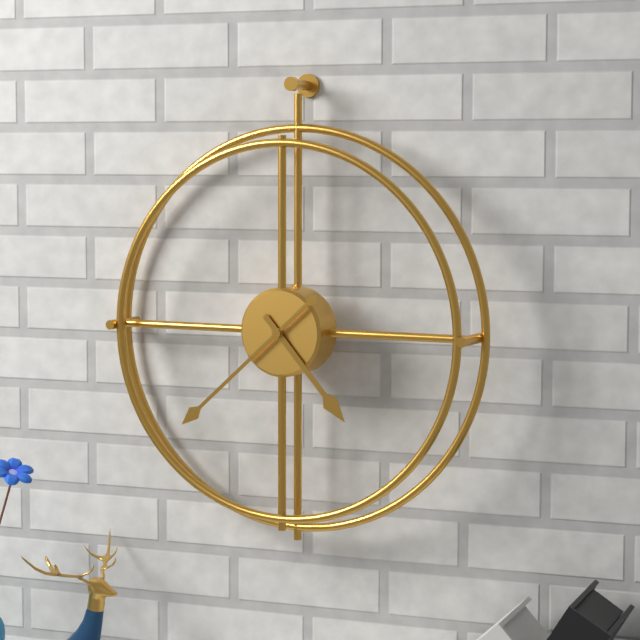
4:38
